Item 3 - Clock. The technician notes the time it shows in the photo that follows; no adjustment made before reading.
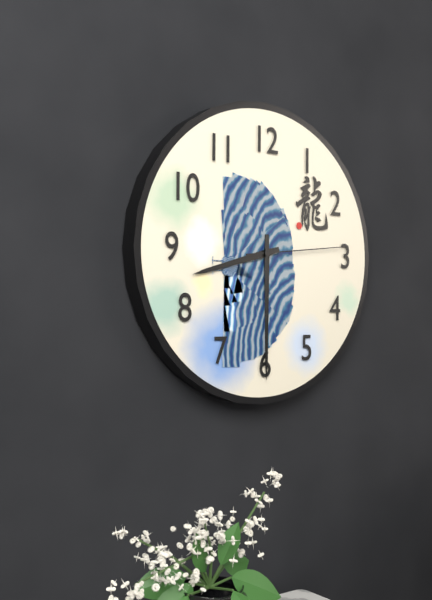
8:30:14
